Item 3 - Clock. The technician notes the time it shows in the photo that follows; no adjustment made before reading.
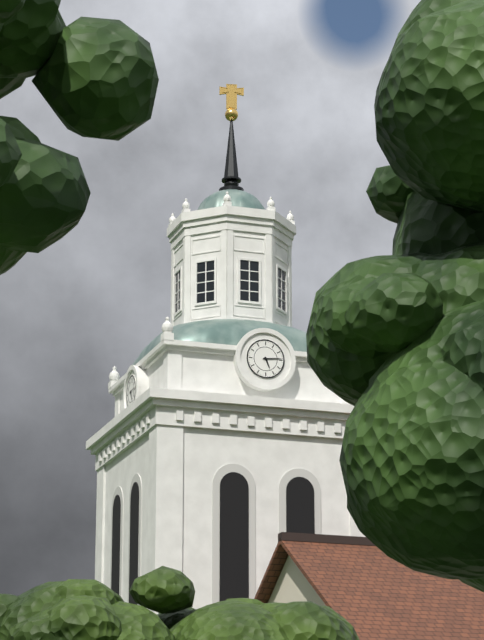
5:14
